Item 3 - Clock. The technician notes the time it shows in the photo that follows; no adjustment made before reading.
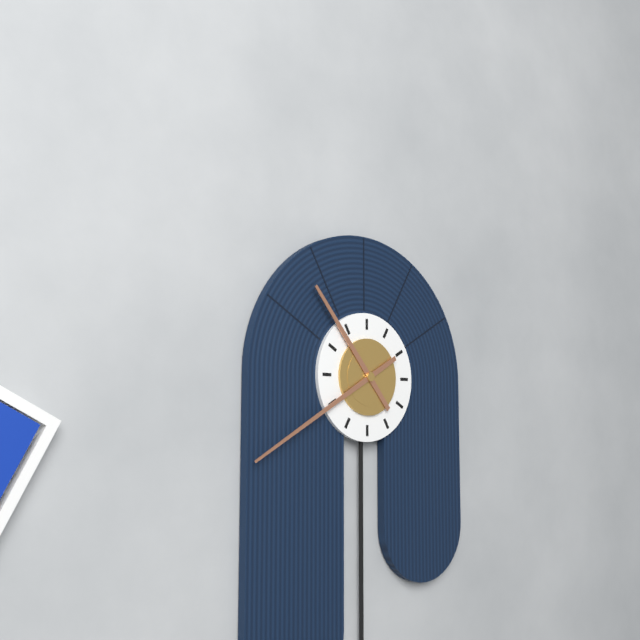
10:40
